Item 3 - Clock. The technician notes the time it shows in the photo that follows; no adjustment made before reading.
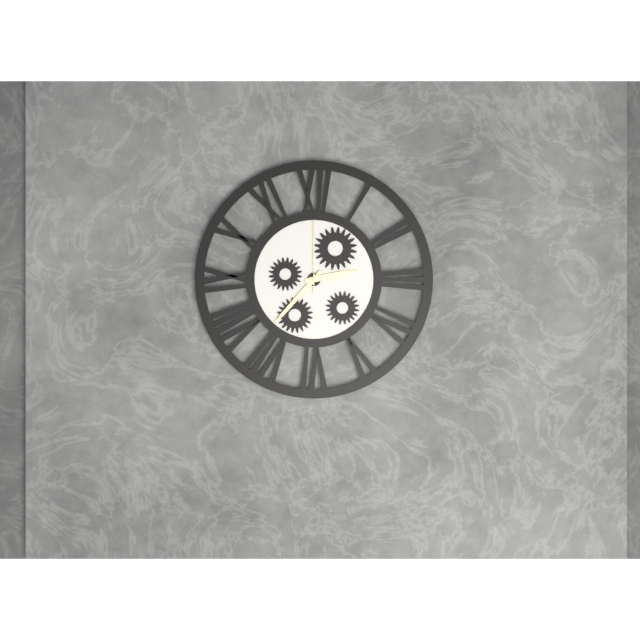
2:37:00
